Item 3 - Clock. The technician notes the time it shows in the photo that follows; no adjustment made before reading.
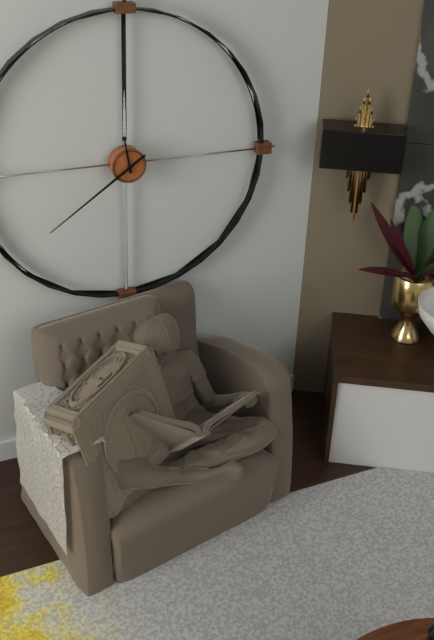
11:39
